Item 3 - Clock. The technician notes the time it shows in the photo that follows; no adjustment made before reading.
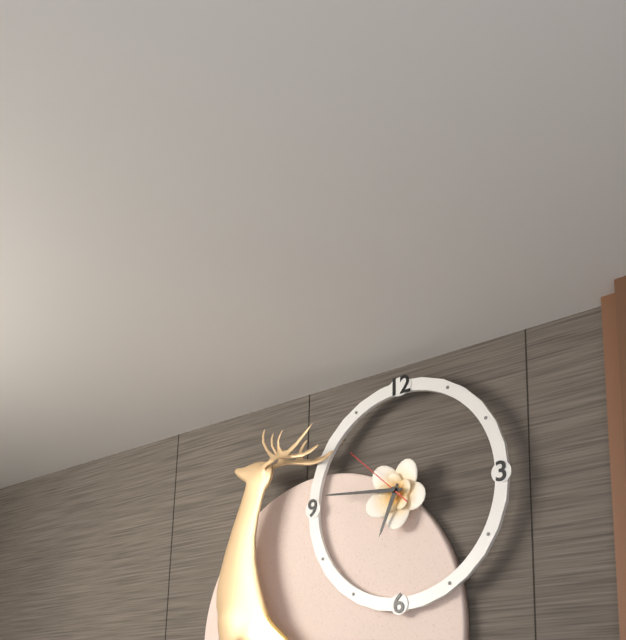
6:46:52
